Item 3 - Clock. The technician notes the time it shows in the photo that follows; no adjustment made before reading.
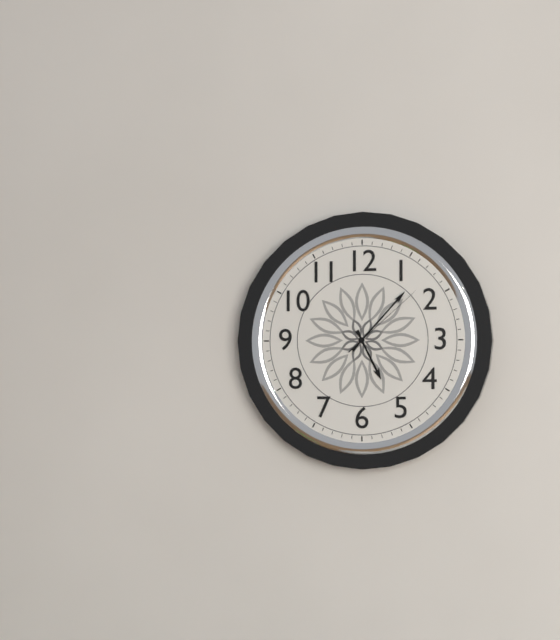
5:07:08
